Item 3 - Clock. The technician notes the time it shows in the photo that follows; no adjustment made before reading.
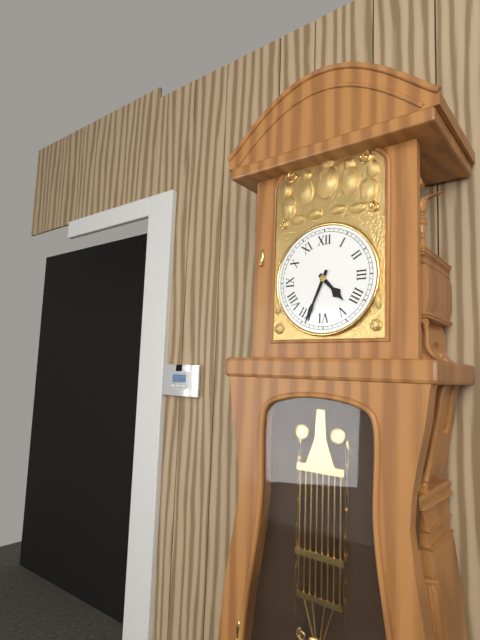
4:34
